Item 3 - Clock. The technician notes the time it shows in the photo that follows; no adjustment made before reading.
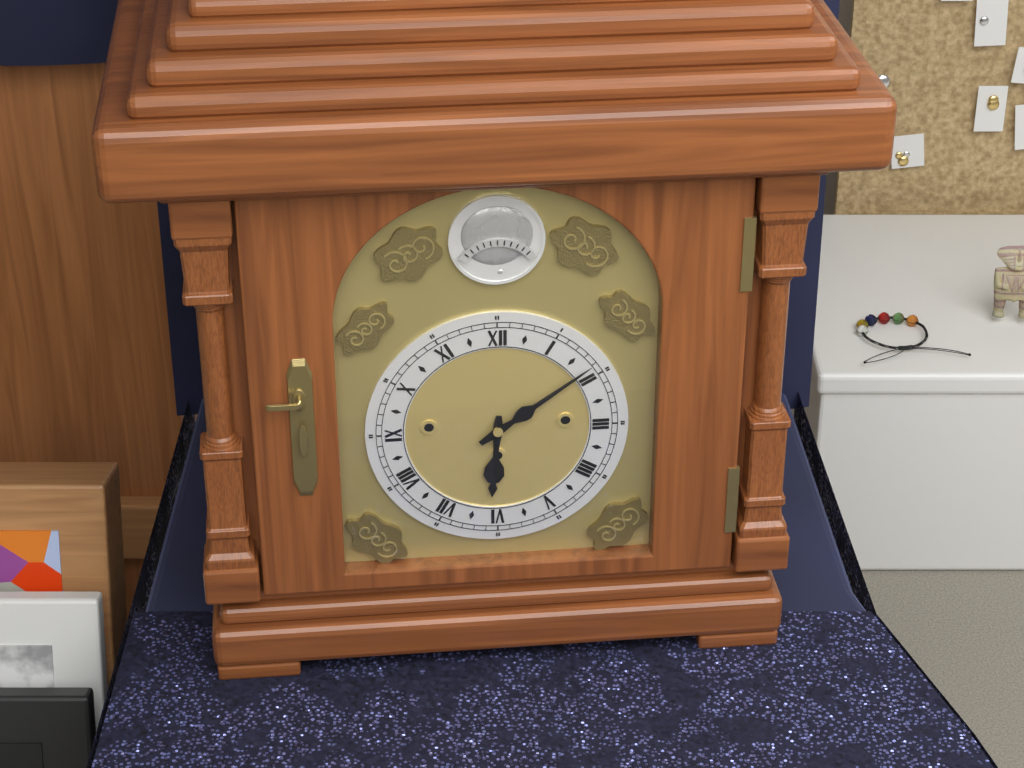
6:09
